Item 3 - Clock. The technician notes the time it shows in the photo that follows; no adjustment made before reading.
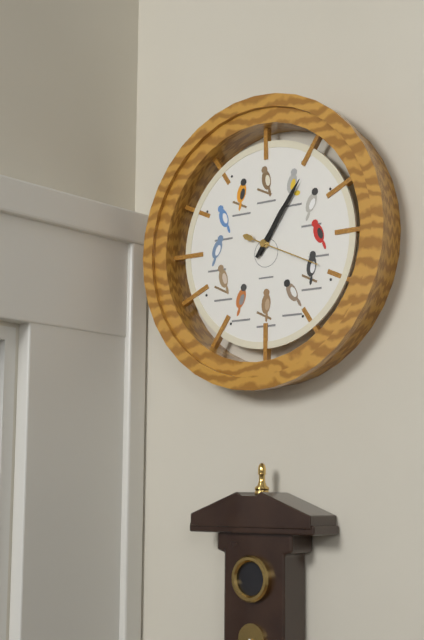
1:06:19
